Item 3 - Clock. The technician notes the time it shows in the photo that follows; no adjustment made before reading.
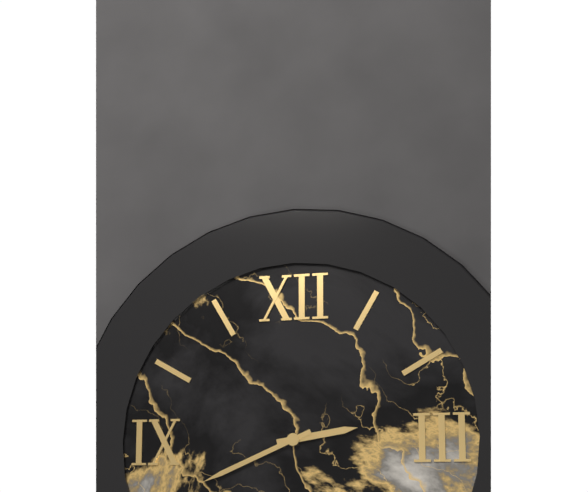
2:41
